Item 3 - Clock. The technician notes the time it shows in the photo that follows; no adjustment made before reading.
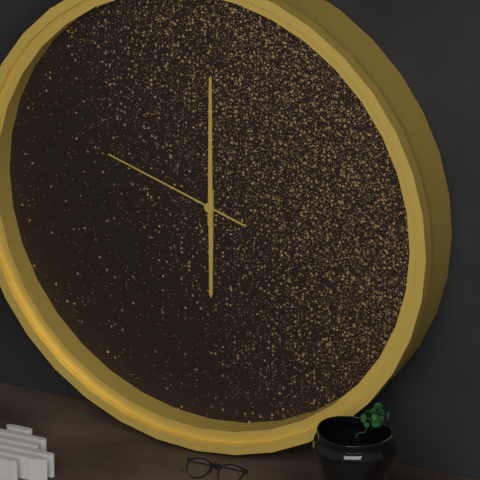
6:00:48
